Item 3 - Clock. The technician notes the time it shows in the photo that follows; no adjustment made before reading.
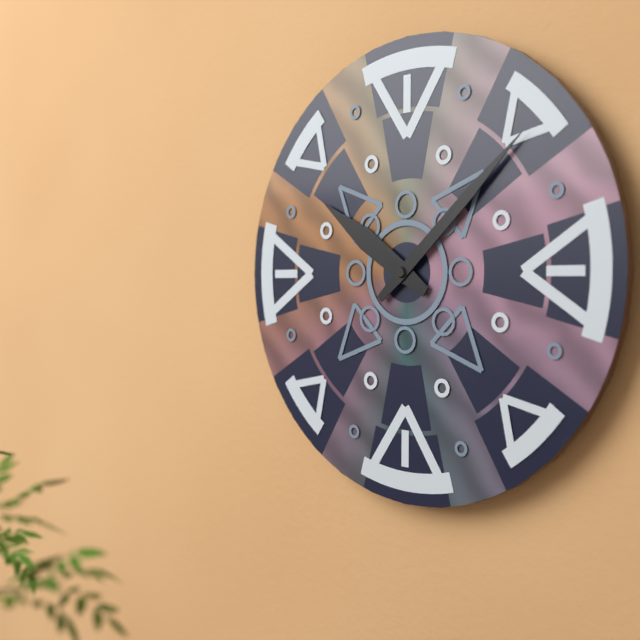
10:08
